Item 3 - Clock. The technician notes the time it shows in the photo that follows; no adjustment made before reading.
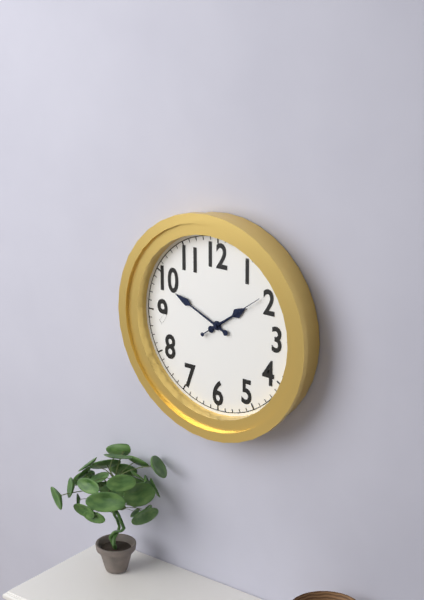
1:49:09
